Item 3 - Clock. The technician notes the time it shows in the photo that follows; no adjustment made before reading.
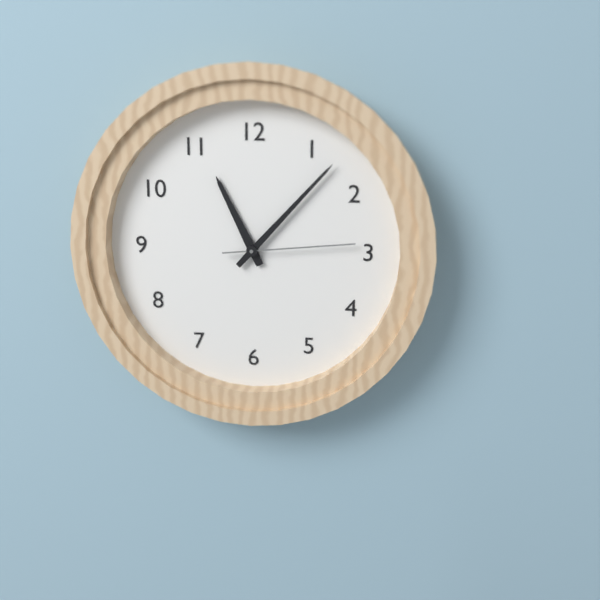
11:07:14
